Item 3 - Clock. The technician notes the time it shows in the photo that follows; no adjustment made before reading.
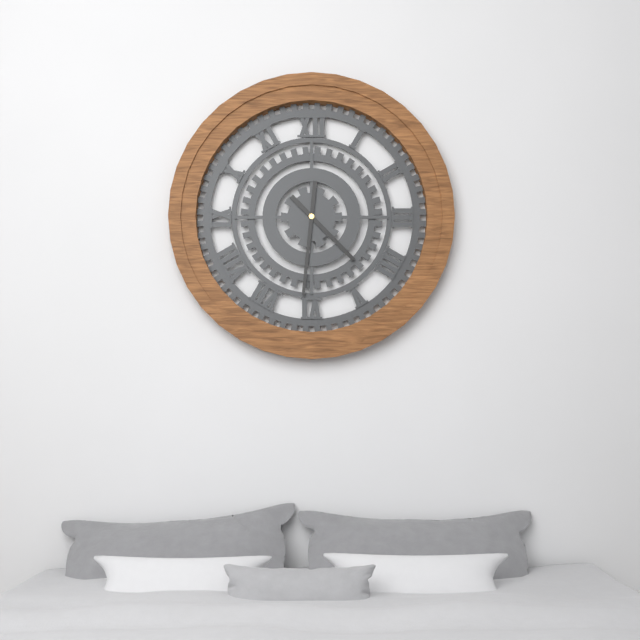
4:31
